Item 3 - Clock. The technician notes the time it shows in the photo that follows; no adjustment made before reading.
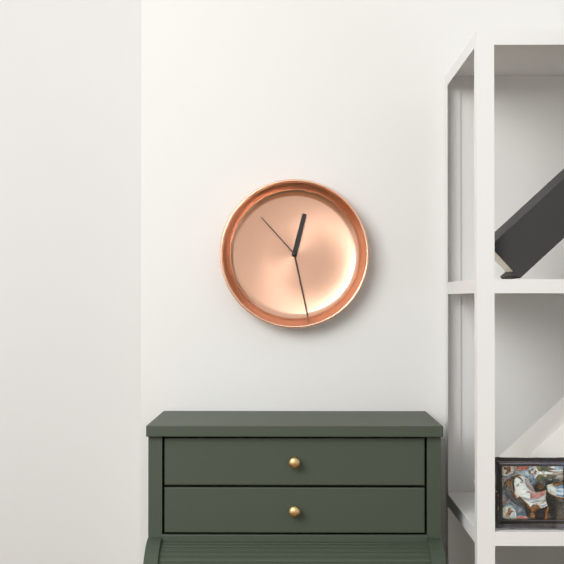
12:28:53
